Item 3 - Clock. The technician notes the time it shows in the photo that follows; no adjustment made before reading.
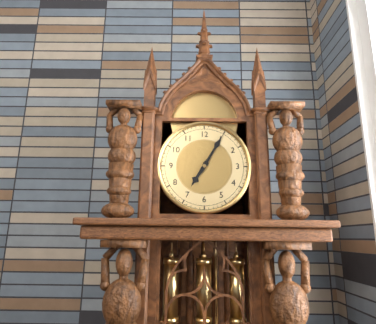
7:05
